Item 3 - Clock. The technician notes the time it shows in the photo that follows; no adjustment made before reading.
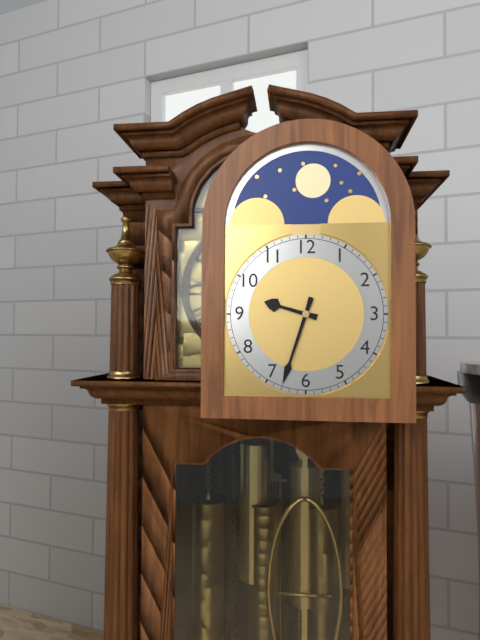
9:33
